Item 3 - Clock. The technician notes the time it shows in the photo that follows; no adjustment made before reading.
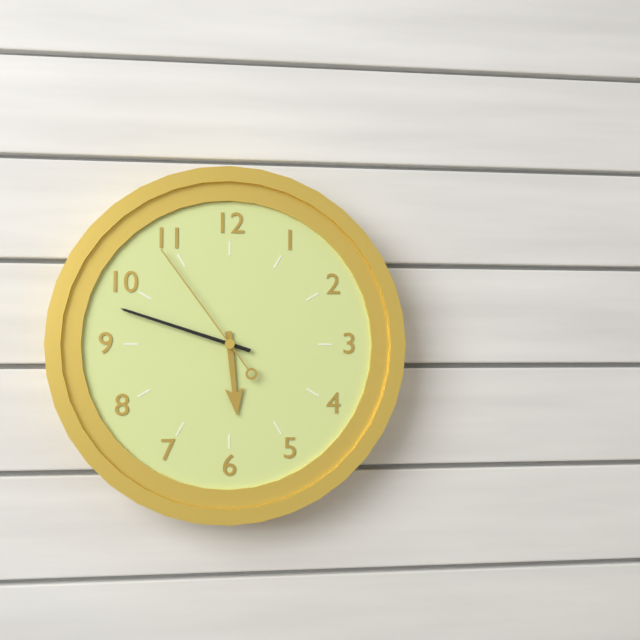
5:48:54
